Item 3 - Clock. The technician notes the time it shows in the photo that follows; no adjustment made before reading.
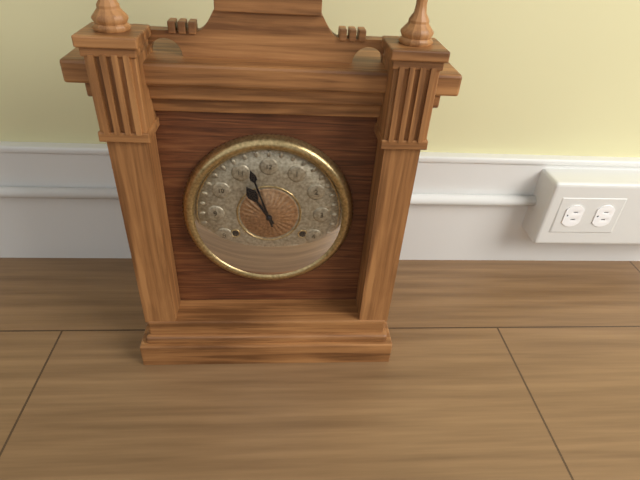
10:57
